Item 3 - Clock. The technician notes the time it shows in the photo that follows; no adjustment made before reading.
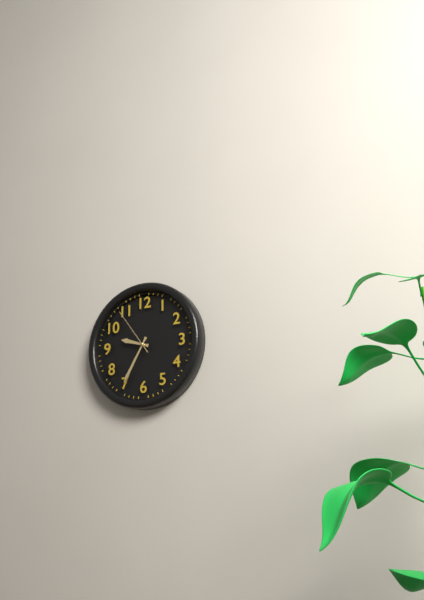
9:35
